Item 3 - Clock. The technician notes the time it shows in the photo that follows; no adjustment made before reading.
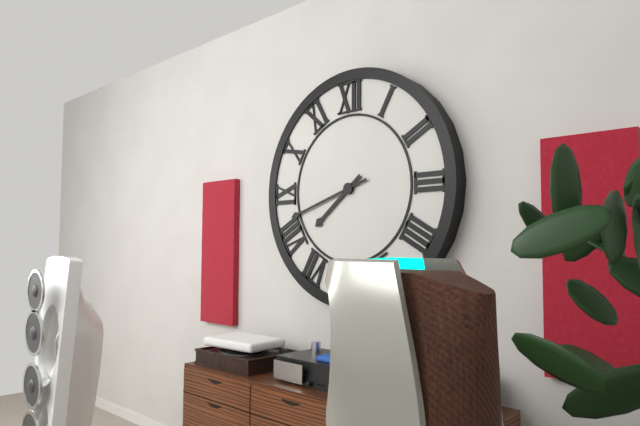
7:42
